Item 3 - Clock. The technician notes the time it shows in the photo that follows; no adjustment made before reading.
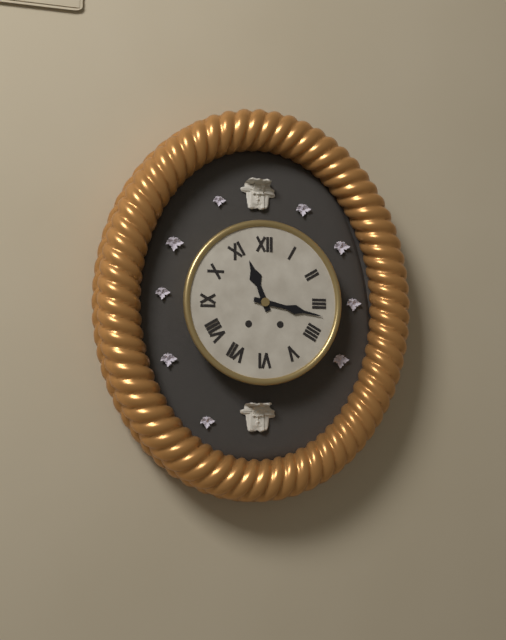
11:17
